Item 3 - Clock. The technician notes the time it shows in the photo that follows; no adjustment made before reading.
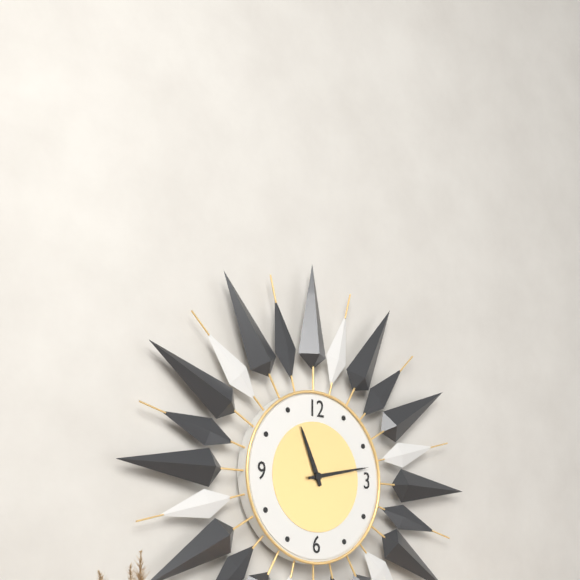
11:13
